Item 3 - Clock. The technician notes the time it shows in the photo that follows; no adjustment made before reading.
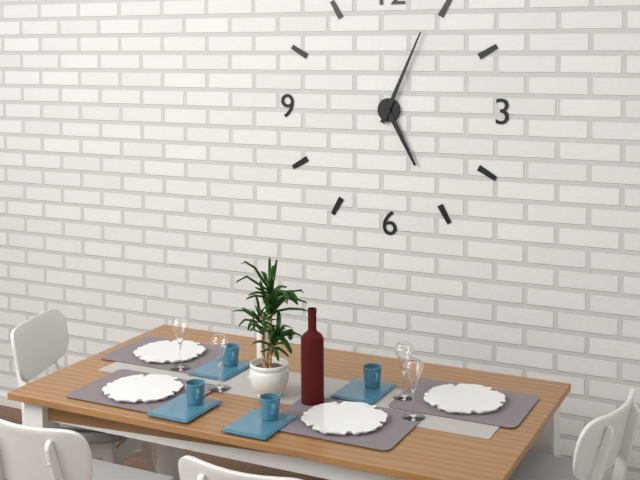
5:04
